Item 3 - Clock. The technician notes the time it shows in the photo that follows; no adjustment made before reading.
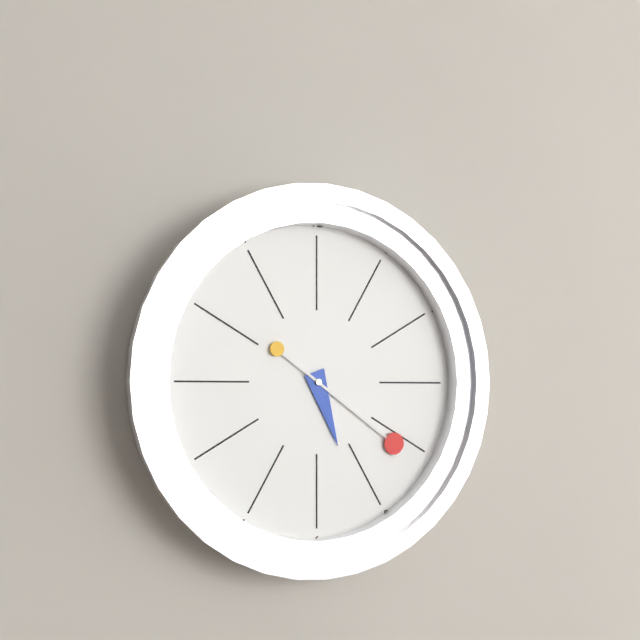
5:21
